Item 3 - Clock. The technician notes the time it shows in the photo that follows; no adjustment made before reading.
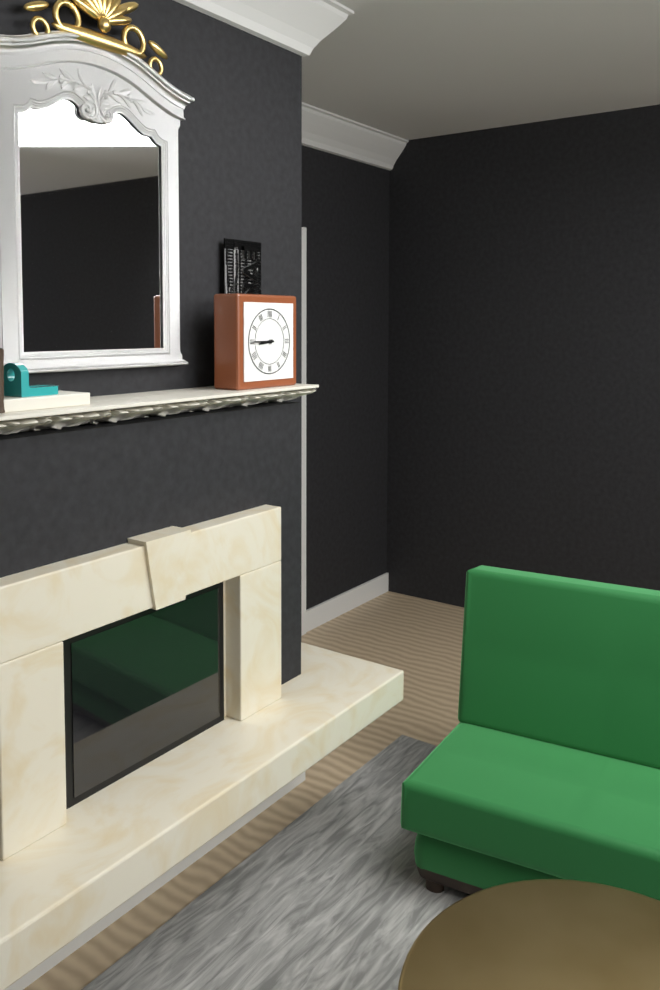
8:45
